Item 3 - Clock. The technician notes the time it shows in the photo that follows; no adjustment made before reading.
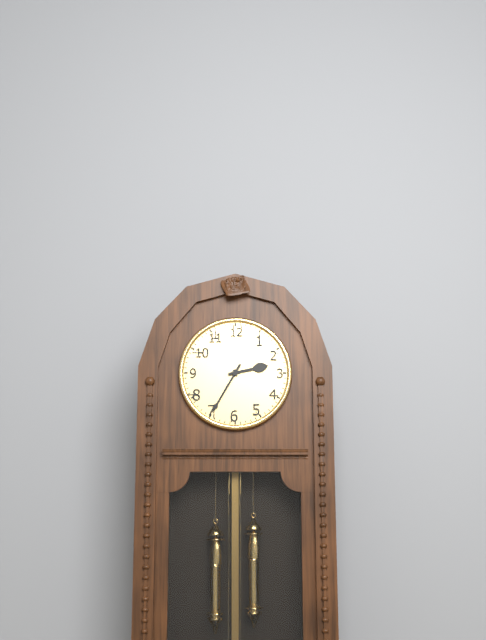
2:35
